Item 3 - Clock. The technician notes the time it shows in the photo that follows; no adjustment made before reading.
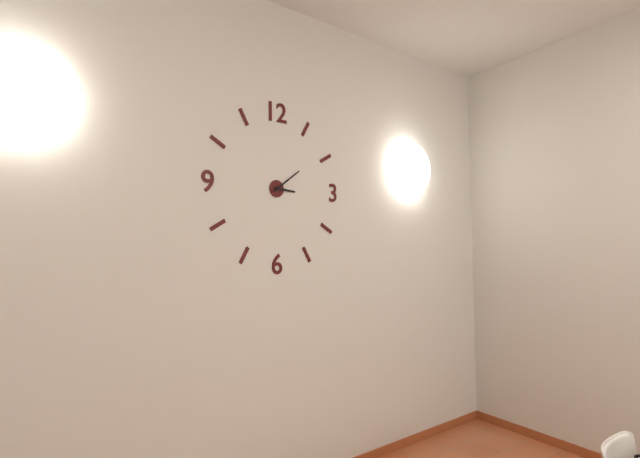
3:09
